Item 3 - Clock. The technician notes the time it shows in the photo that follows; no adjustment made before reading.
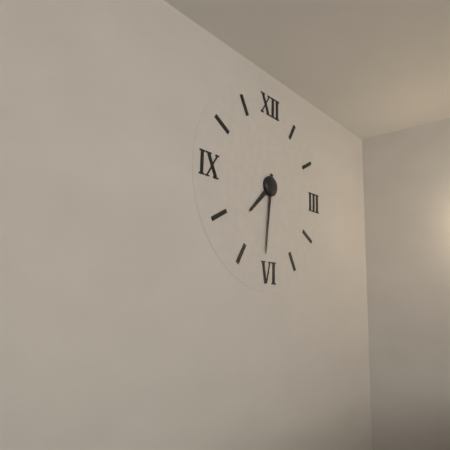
7:31
